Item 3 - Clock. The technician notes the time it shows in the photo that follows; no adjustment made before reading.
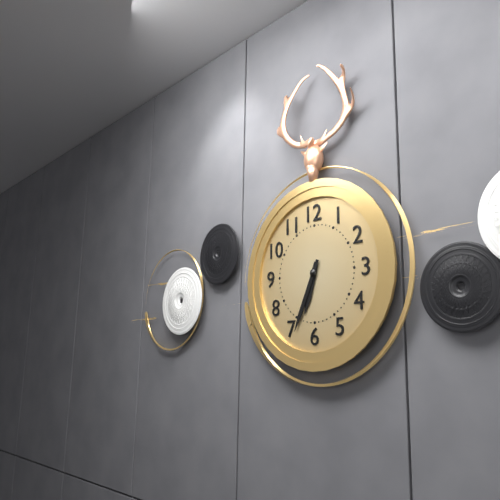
6:34
